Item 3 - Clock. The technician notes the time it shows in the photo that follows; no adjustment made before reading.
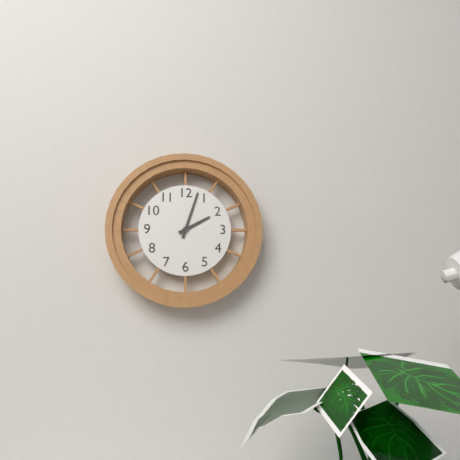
2:03
